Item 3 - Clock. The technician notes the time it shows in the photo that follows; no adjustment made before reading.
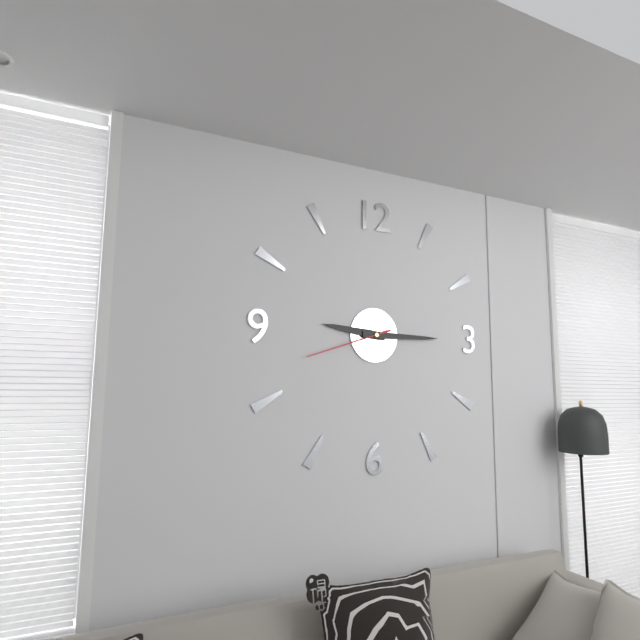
9:15:42
